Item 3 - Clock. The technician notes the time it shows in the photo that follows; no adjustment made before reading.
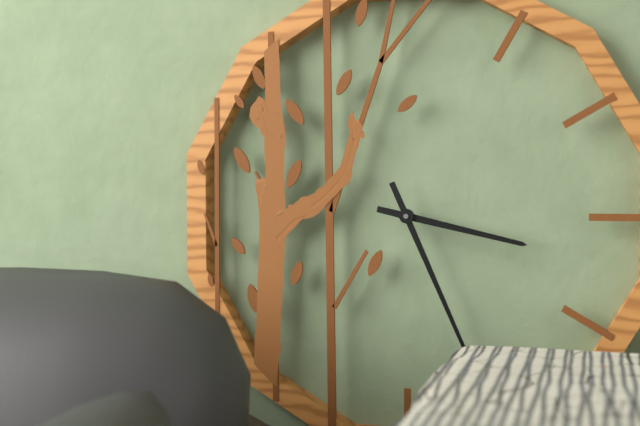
3:26
